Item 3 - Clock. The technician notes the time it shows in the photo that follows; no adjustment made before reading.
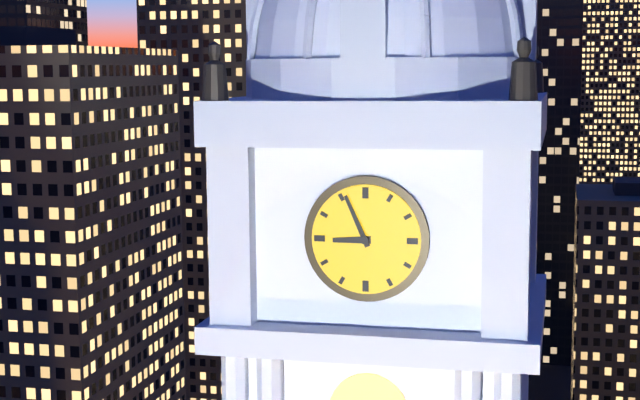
8:56
